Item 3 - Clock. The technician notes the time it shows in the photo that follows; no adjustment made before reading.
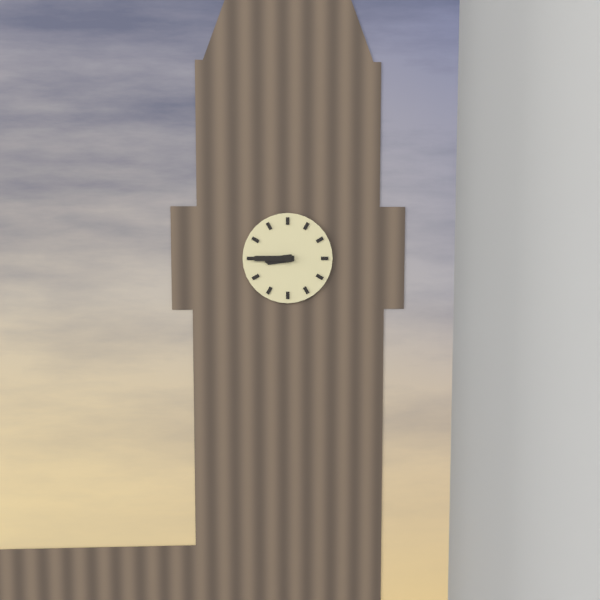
8:45
